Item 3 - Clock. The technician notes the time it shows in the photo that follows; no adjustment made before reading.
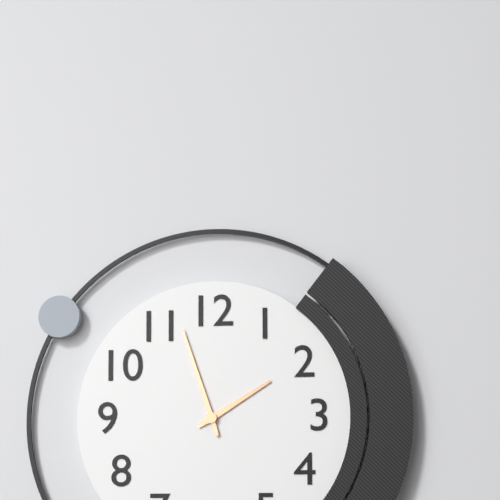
1:57
